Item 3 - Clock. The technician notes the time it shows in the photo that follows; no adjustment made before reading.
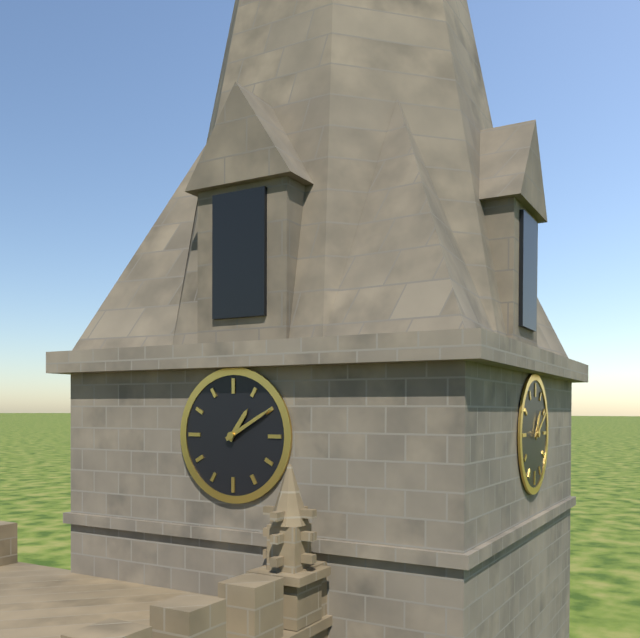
1:10
